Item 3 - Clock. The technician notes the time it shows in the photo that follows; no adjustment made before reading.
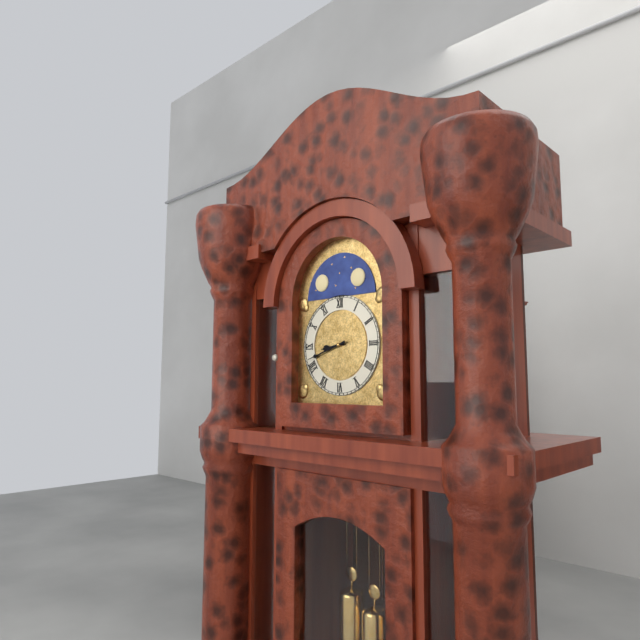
8:42
